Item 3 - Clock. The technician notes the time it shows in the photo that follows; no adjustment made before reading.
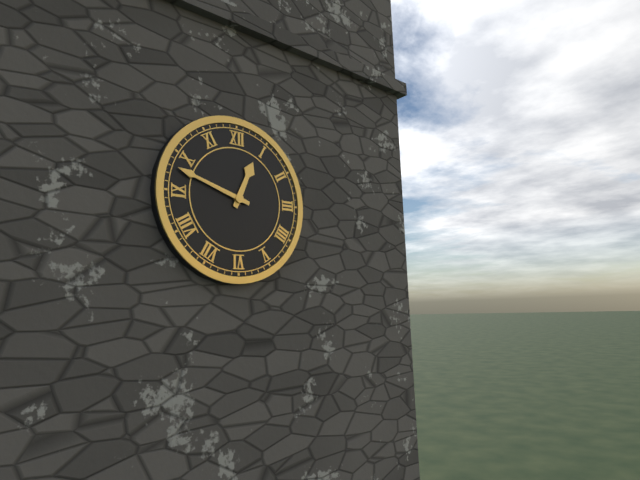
12:48
